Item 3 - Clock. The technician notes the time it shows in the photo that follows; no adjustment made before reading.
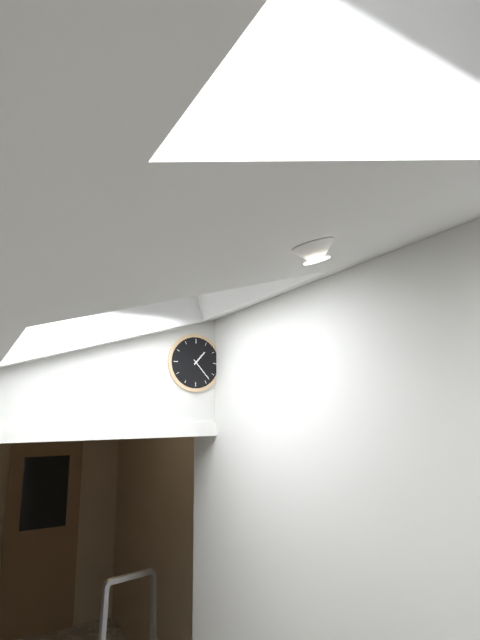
1:23
